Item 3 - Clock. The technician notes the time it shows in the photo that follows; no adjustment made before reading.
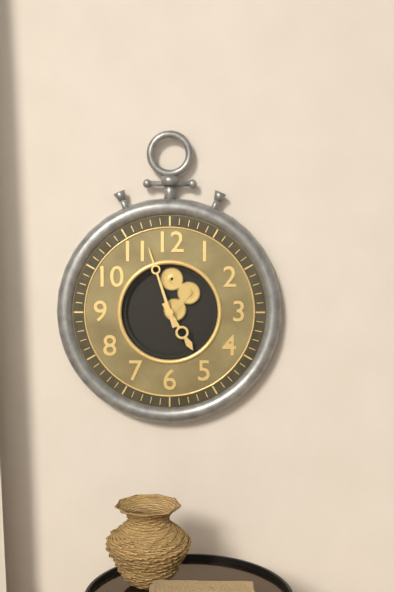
4:57
